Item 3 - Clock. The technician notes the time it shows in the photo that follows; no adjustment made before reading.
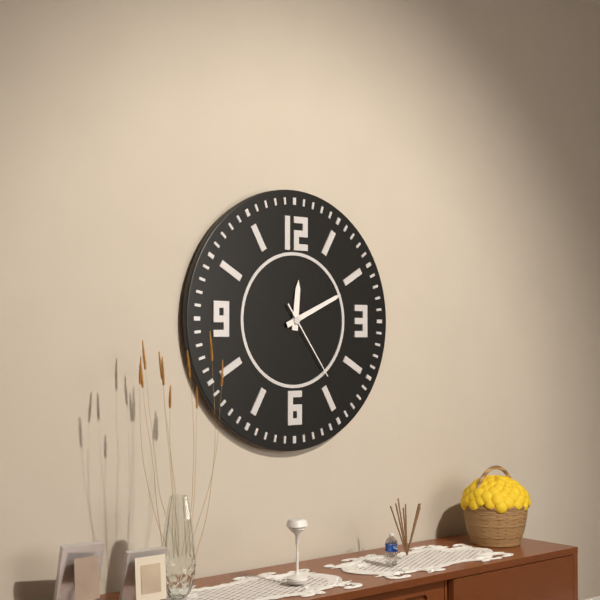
12:11:24
